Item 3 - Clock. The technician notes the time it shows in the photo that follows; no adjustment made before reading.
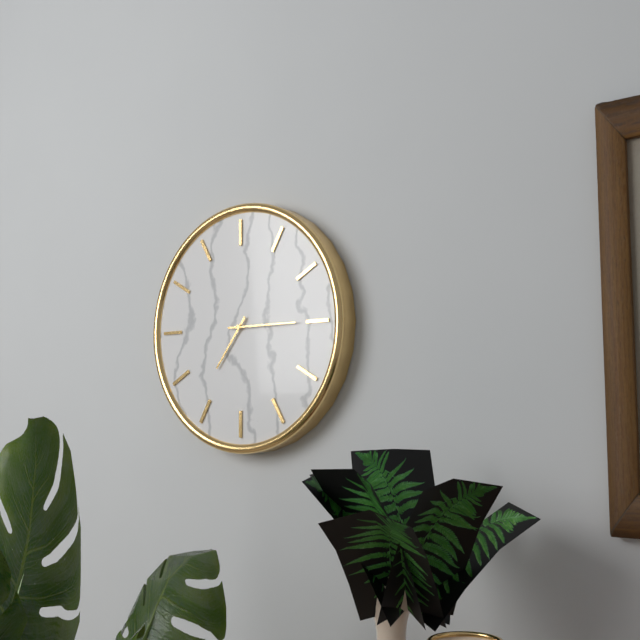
7:15
